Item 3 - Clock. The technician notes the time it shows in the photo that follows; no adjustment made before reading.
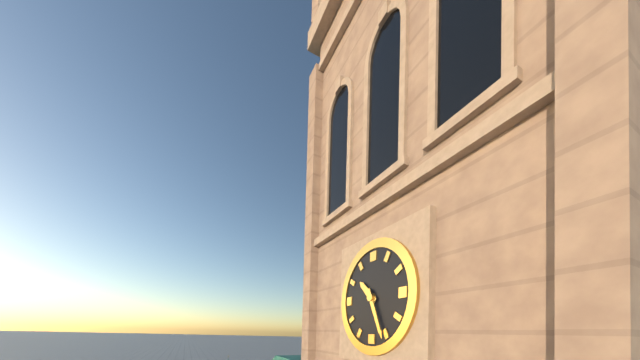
10:26
